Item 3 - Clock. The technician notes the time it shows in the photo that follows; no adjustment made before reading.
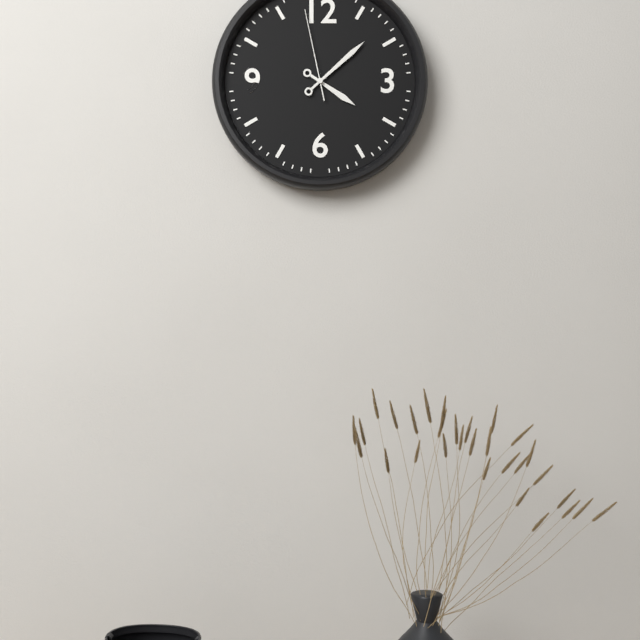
4:08:58
